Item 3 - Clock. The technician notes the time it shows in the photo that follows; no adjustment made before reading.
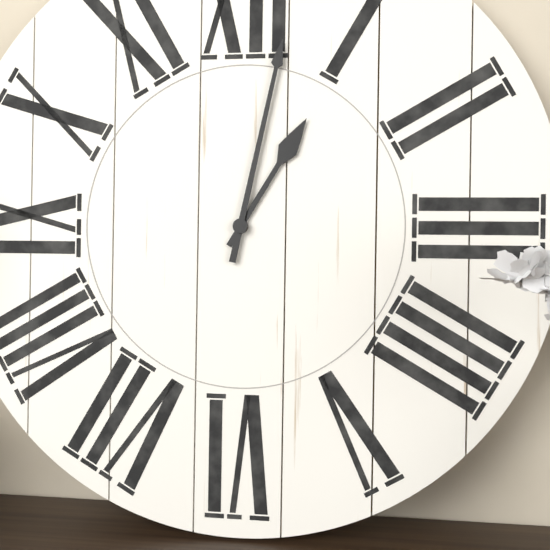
1:02
